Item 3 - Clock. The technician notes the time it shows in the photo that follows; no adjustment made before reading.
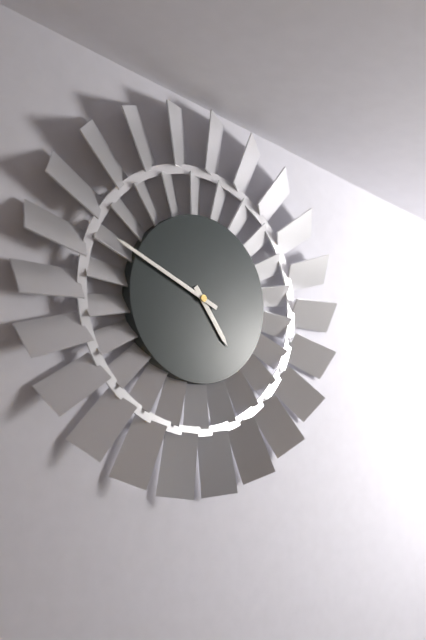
4:49
